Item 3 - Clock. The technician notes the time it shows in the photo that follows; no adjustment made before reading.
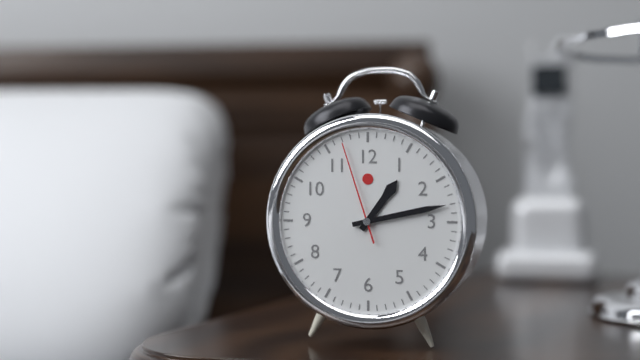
1:13:57
